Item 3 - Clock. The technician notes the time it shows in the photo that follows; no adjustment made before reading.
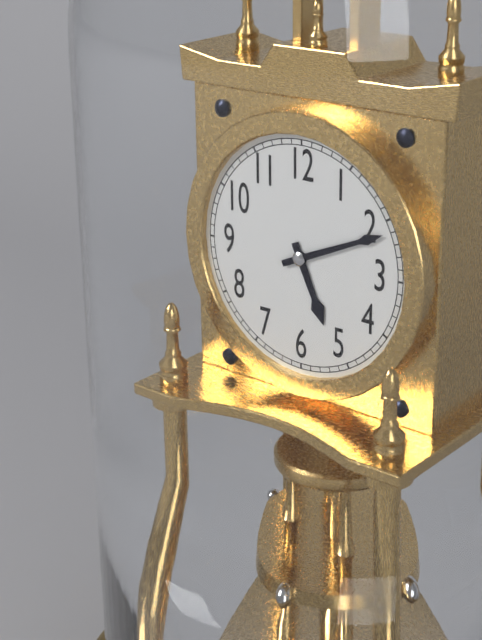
5:11
